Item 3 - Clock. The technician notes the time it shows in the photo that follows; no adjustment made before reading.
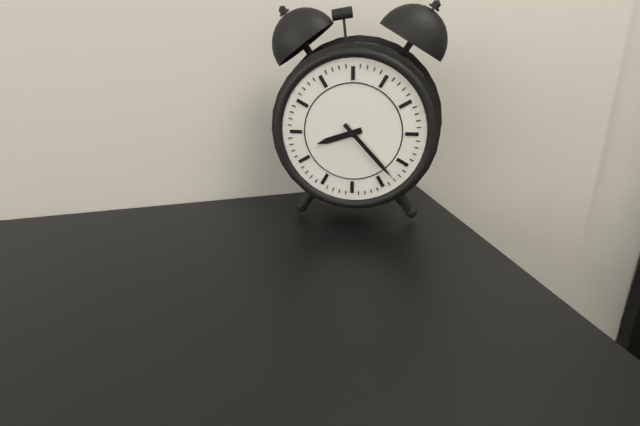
8:23
